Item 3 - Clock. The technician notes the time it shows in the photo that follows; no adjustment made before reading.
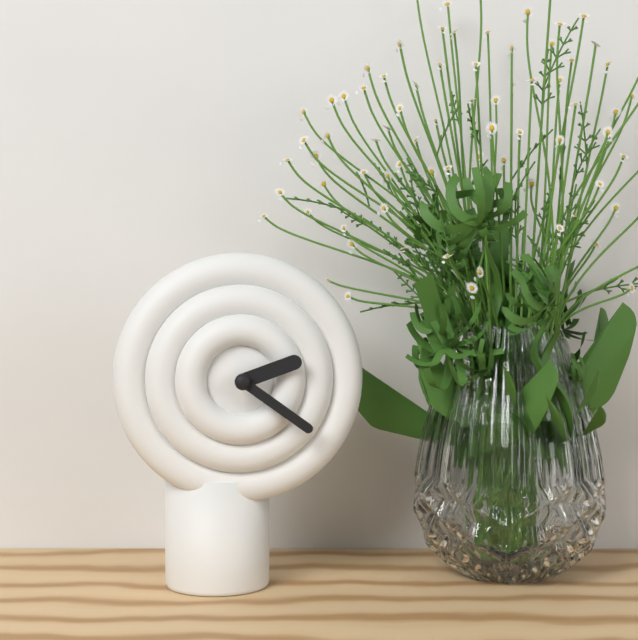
2:21
